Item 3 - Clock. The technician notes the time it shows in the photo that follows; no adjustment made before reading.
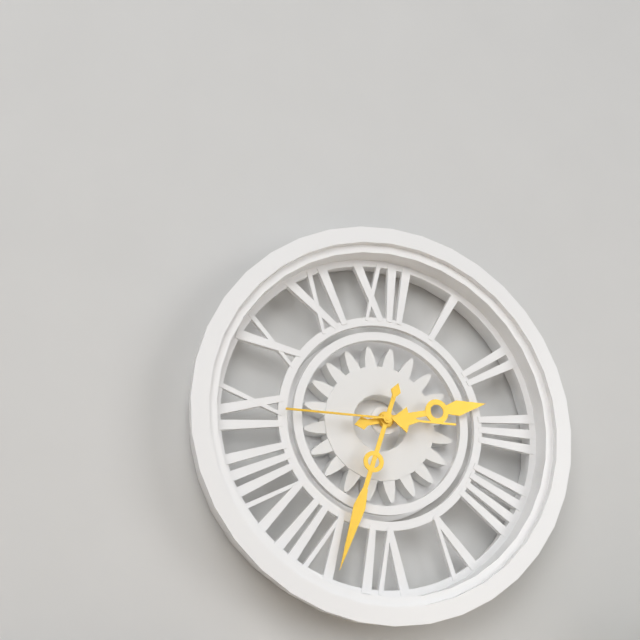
2:33:45
